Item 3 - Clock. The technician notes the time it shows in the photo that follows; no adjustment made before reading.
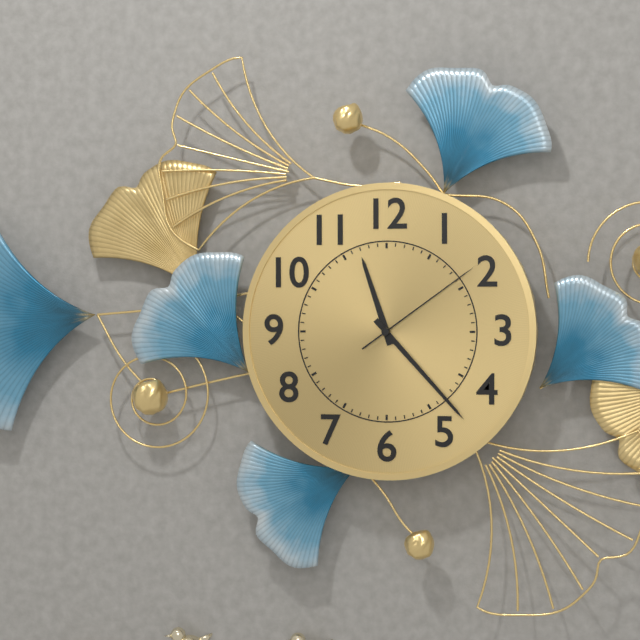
11:23:09
